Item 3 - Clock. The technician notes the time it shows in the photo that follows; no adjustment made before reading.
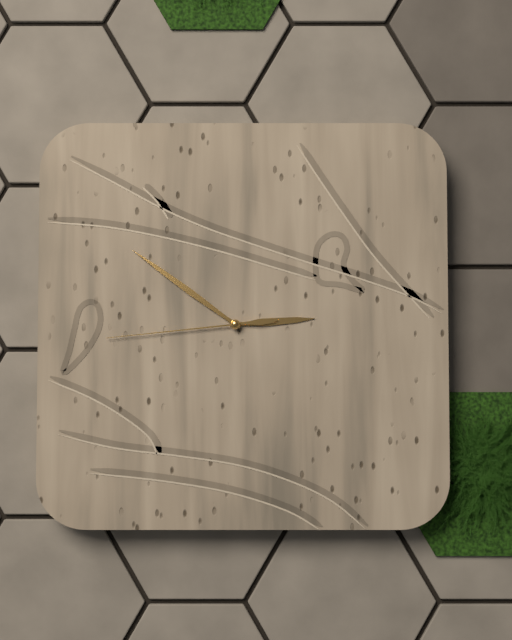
2:51:44
